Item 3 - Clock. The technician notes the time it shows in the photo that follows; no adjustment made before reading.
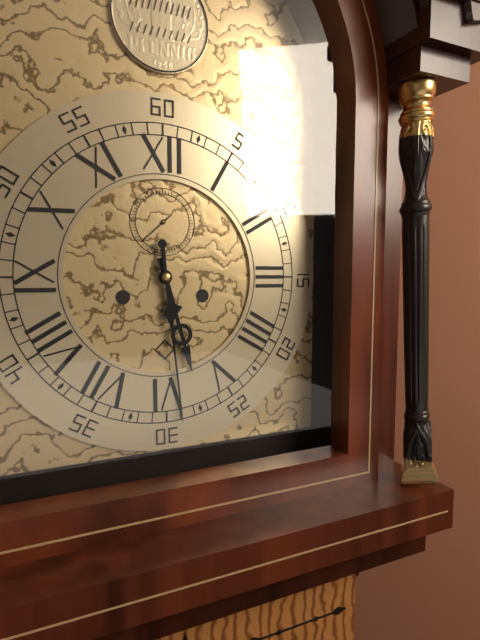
5:29
